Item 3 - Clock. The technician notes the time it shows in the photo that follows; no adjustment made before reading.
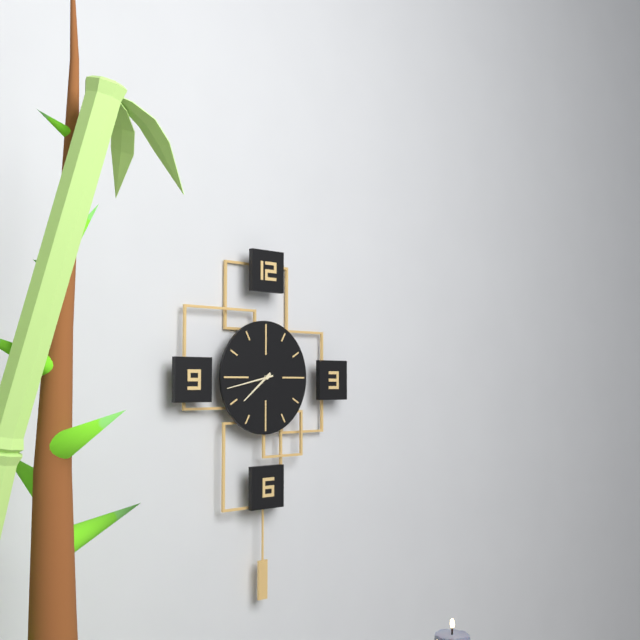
7:43
